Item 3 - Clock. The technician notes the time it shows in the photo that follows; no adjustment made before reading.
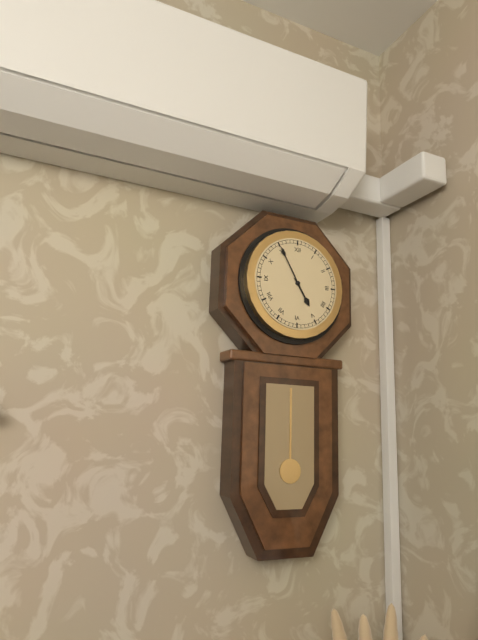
4:55
